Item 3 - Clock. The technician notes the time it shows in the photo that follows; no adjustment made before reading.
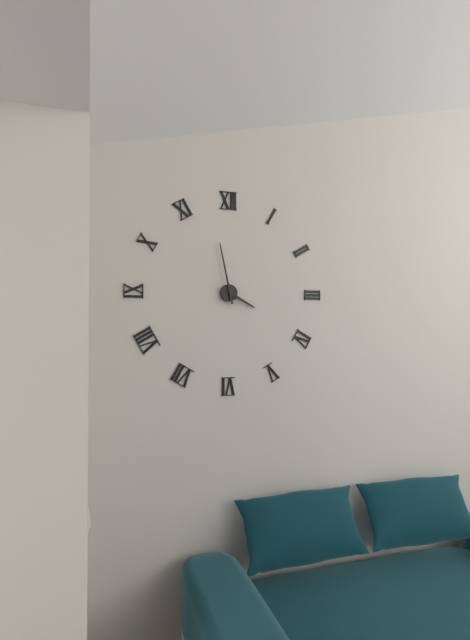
3:58
